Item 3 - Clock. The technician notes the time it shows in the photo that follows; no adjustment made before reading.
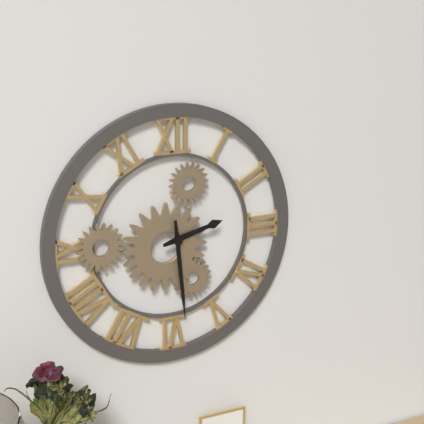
2:29
